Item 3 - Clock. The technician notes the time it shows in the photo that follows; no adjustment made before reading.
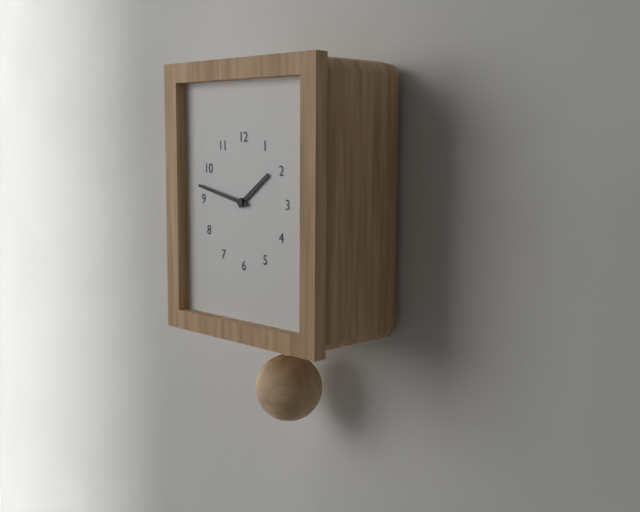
1:47
